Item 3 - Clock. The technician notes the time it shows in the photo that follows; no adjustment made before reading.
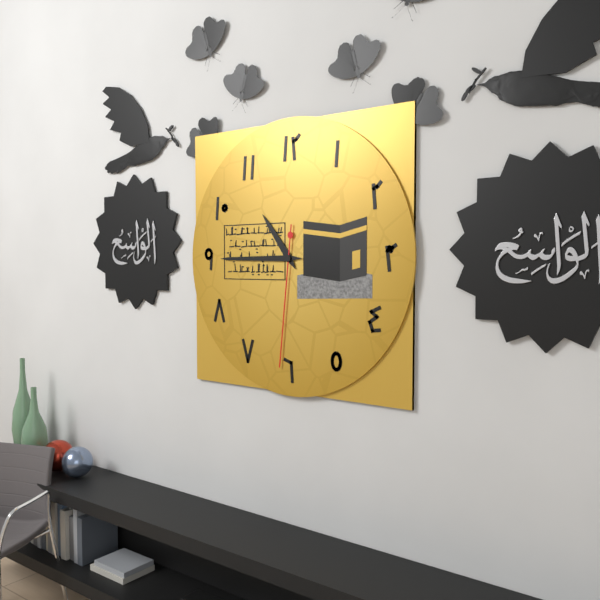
10:45:31
